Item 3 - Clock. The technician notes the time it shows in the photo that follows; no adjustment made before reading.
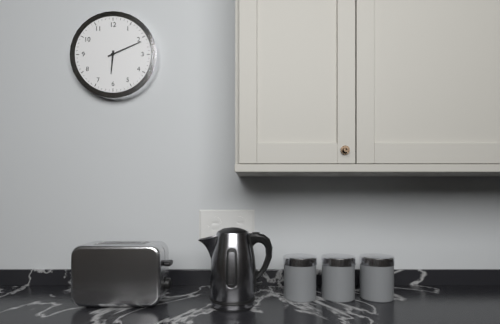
6:11
